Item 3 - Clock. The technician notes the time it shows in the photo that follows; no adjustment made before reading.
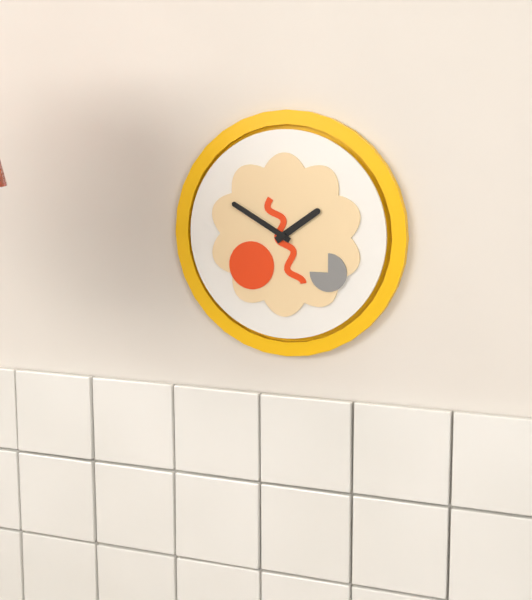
1:50
